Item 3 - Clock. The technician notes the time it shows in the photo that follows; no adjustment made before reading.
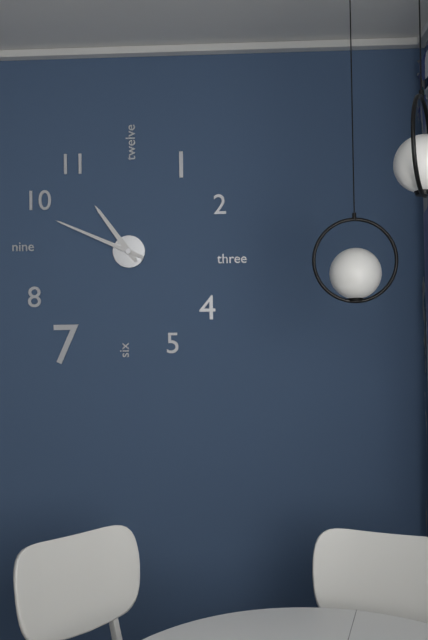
10:49
